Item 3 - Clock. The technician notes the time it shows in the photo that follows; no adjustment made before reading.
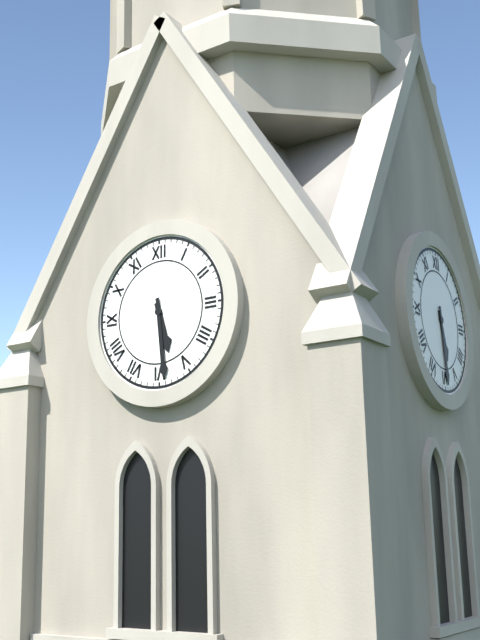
5:29
